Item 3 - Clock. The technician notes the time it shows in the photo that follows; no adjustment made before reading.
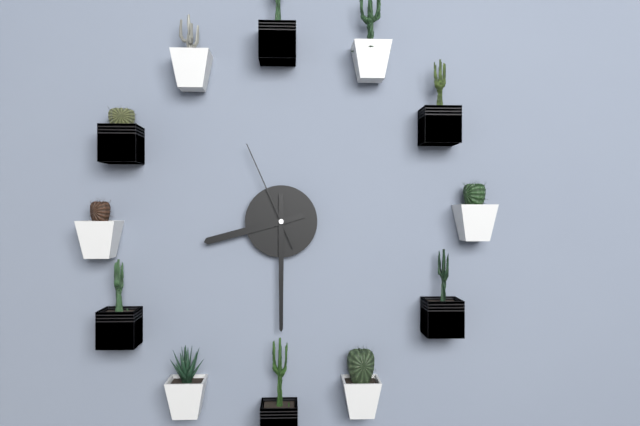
8:30:56
